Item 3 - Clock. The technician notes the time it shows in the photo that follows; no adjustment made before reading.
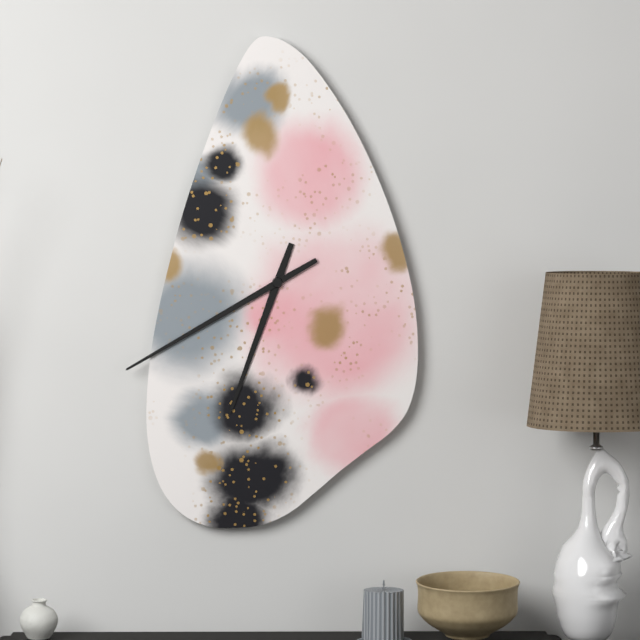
6:40
